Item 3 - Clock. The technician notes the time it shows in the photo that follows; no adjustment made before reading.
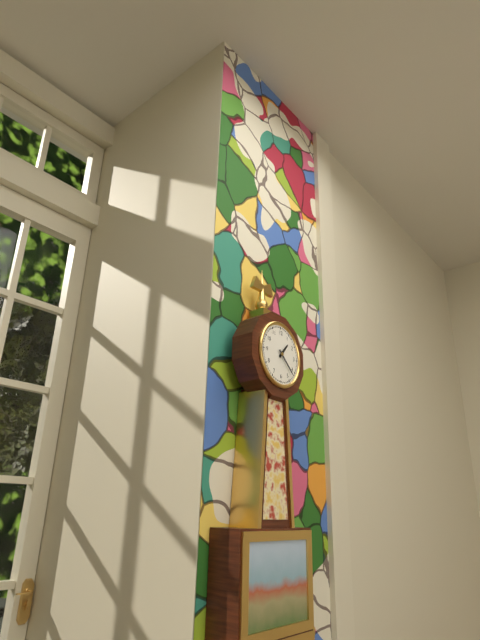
1:22
